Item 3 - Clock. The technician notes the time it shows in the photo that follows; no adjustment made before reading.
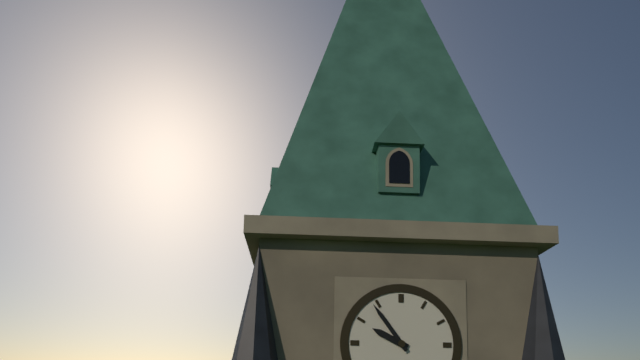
9:54
